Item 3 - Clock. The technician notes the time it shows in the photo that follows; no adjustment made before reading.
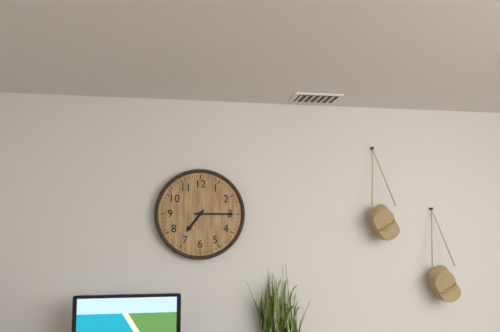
7:15
